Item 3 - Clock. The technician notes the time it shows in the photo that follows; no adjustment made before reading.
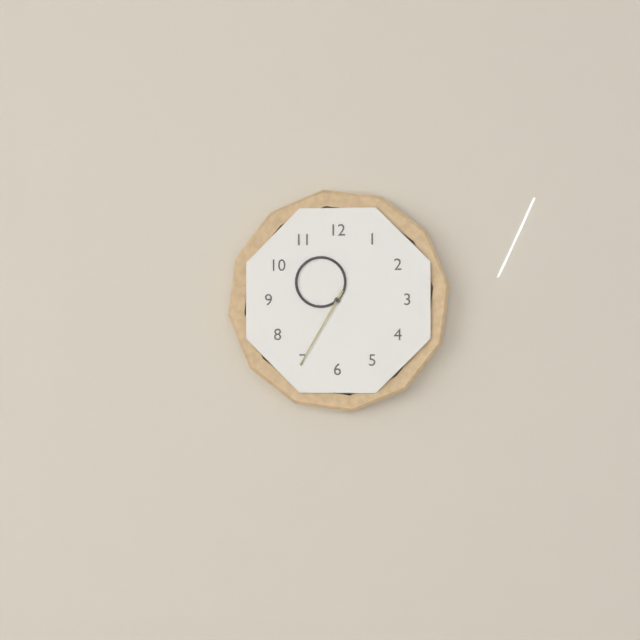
10:35
